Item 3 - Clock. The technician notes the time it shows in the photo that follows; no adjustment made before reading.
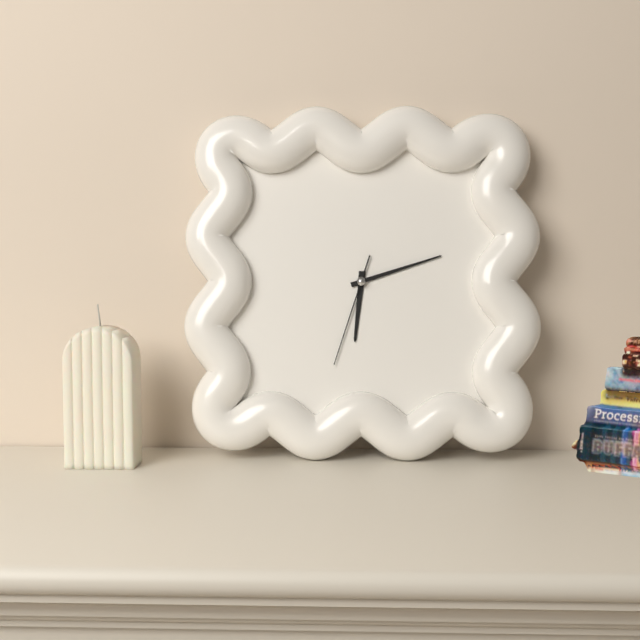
6:12:33
